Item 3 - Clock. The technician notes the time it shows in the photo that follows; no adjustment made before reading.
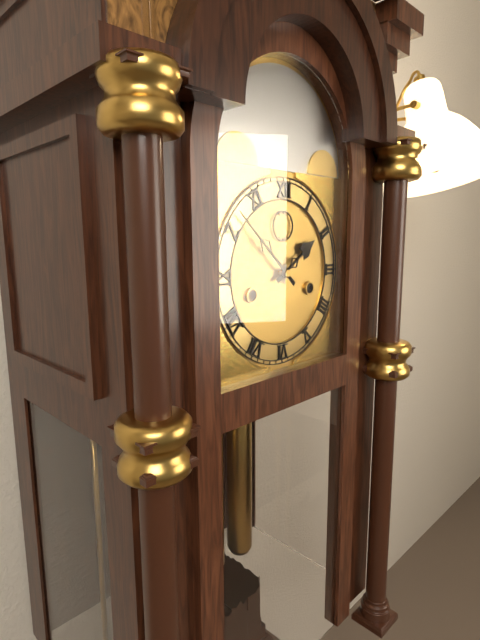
1:52
